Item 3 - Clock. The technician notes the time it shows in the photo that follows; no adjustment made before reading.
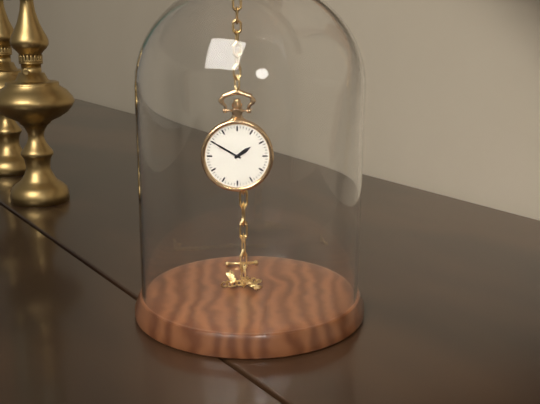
1:50
